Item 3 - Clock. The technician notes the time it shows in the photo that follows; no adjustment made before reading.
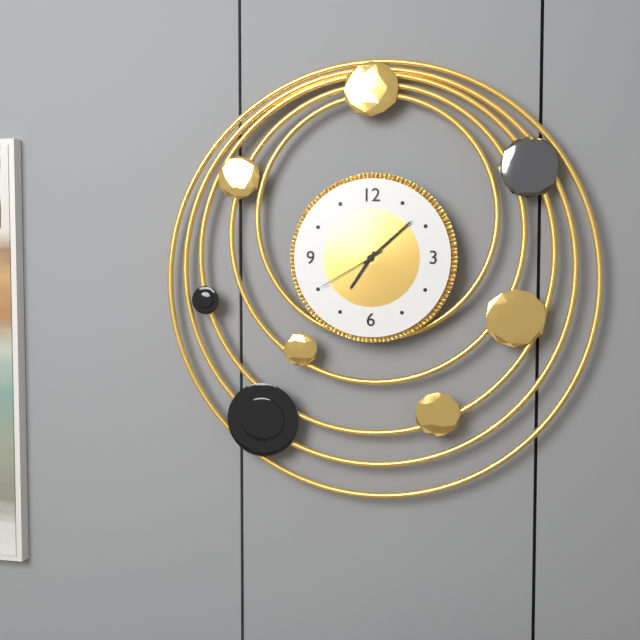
7:08:40
